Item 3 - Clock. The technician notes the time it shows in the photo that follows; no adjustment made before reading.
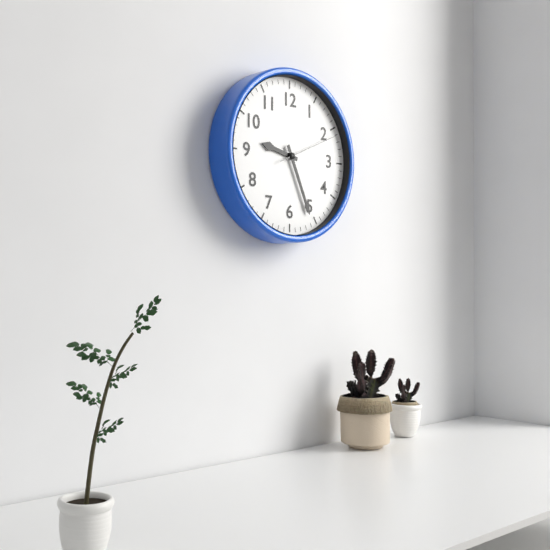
9:26:11
